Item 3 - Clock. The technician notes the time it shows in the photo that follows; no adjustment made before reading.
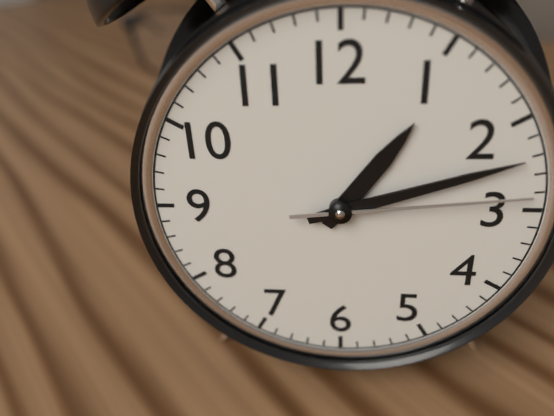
1:12:14
